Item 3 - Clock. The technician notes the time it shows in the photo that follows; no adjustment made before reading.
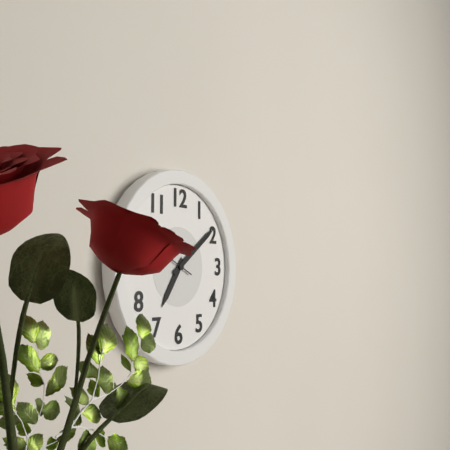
7:09
